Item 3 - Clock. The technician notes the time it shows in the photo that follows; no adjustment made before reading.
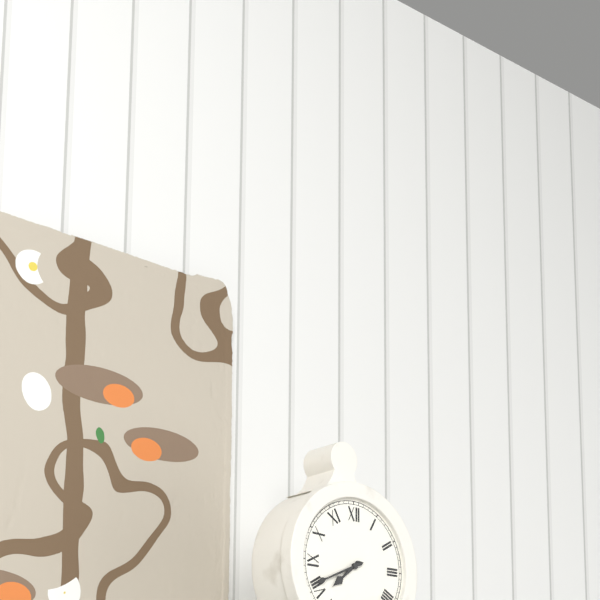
7:41
